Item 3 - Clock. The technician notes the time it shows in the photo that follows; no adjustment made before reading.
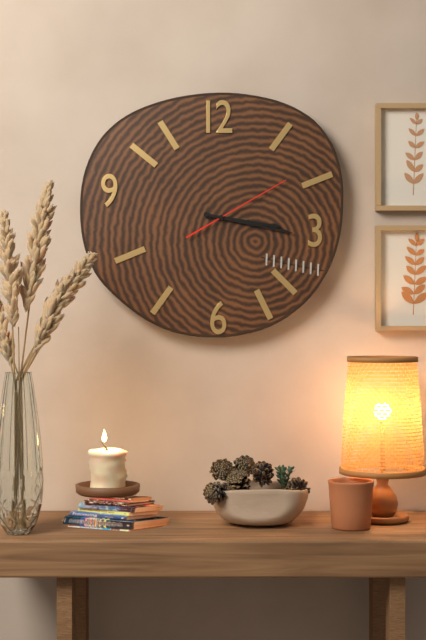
3:17:10
